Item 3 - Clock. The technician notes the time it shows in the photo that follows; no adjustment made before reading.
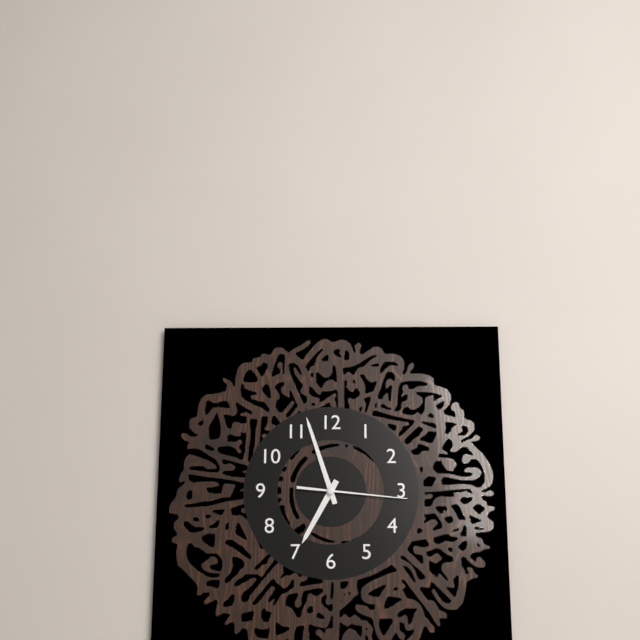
6:57:16
